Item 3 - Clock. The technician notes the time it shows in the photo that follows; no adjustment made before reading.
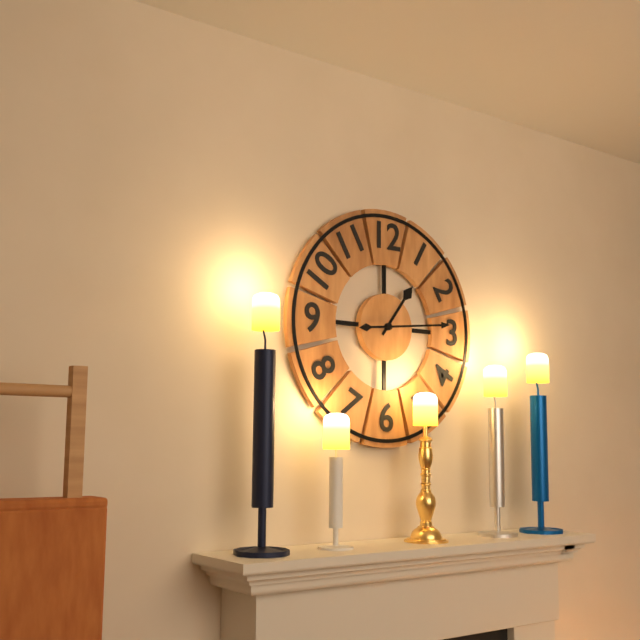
1:14
